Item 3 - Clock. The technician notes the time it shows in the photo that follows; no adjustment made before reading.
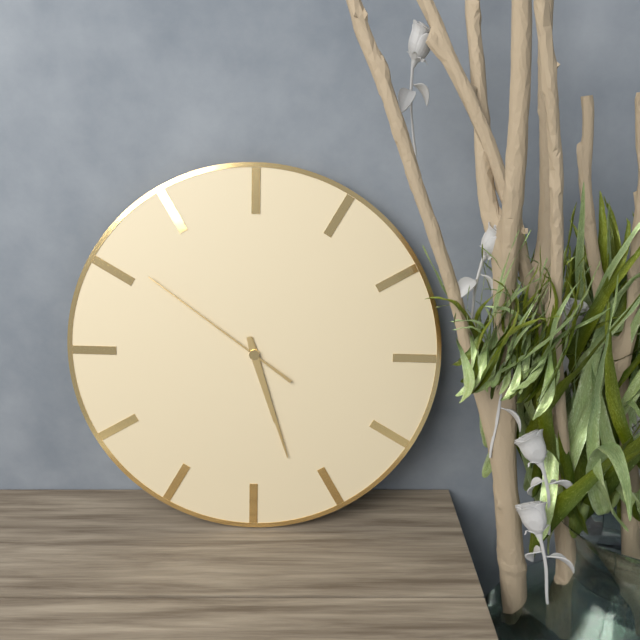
5:27:51
